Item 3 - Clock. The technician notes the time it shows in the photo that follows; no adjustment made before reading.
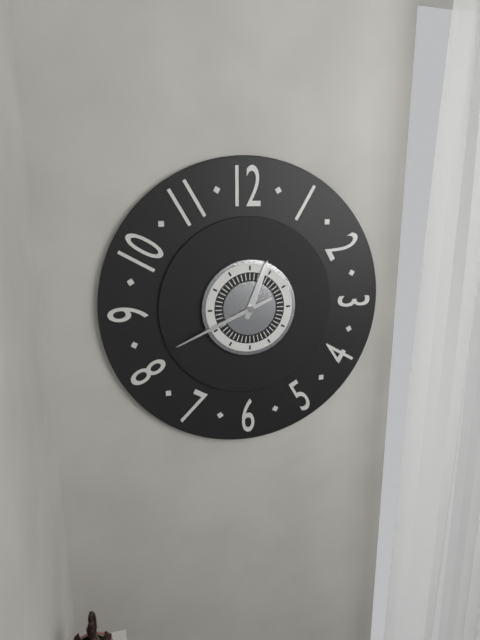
12:41
